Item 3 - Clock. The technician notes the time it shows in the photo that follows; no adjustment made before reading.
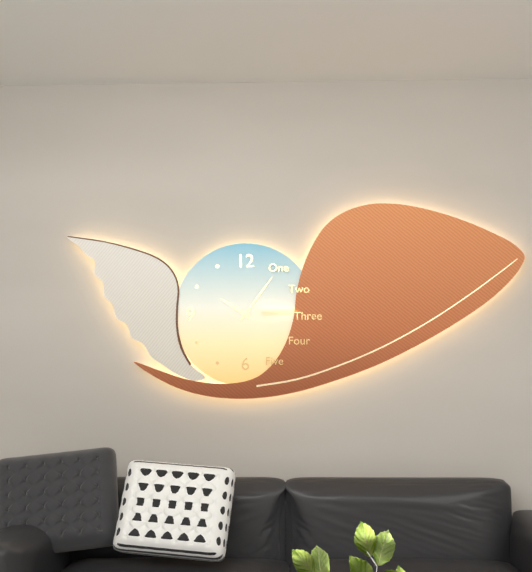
10:06
